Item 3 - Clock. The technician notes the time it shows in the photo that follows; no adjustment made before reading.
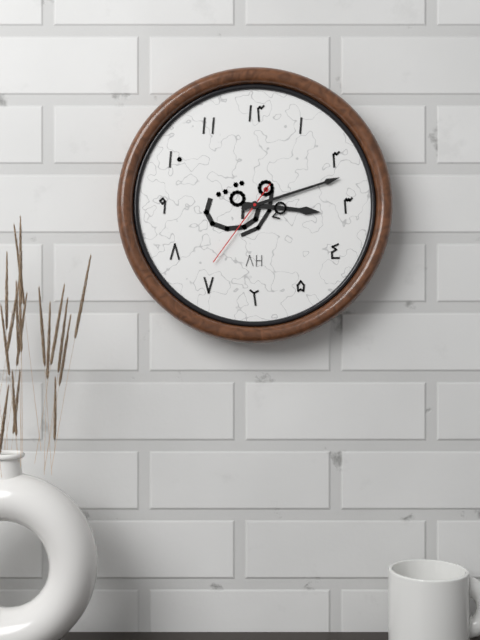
3:12:36
